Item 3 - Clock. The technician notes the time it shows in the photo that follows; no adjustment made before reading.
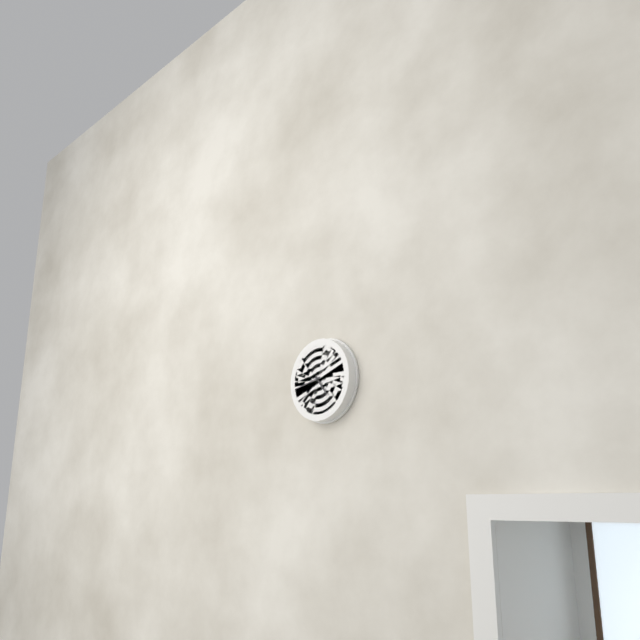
4:43
